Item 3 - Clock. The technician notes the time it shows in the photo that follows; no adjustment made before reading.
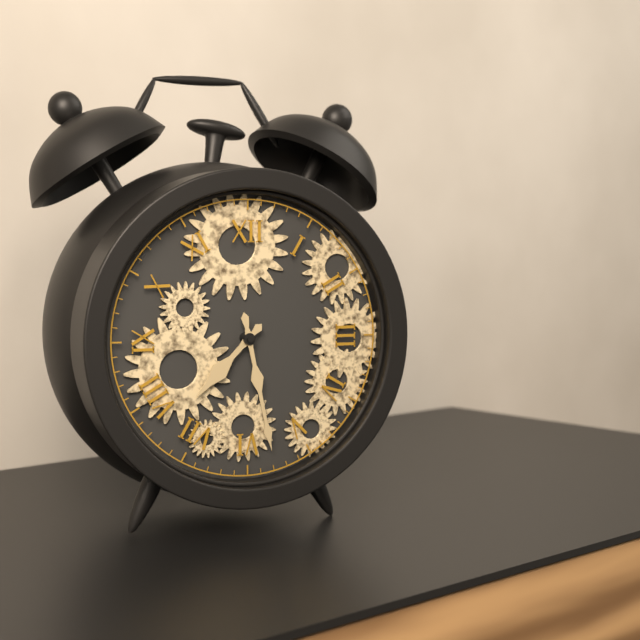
7:28
